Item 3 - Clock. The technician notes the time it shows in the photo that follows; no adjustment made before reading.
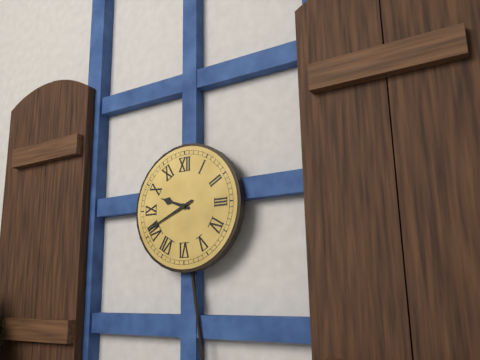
9:41
